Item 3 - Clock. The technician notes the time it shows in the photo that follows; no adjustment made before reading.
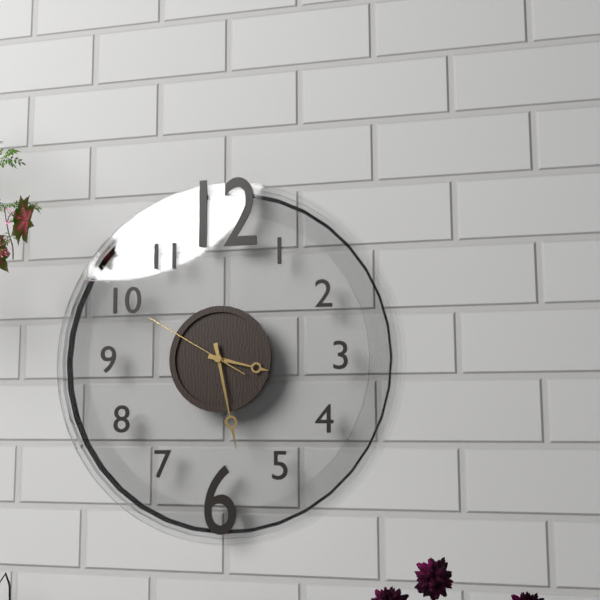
3:28:50
